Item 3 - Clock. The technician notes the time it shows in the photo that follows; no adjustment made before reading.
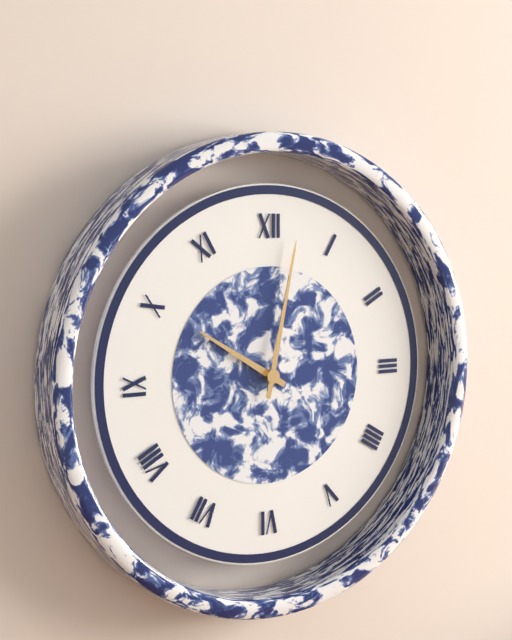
10:02
